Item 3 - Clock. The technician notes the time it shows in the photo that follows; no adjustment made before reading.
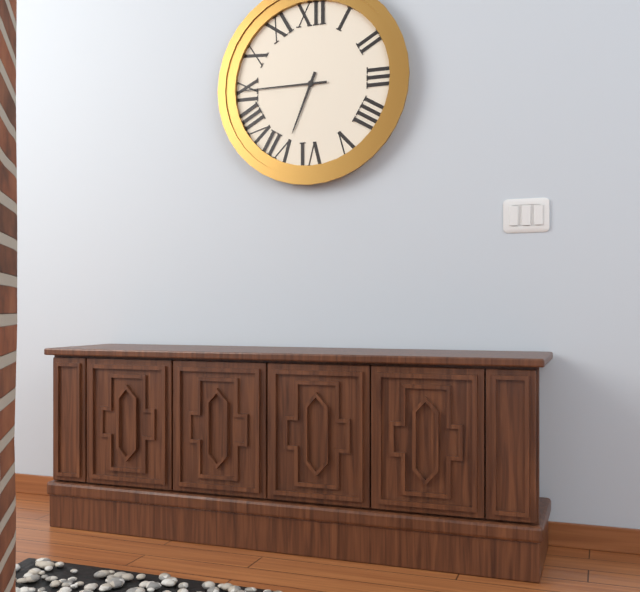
6:45
